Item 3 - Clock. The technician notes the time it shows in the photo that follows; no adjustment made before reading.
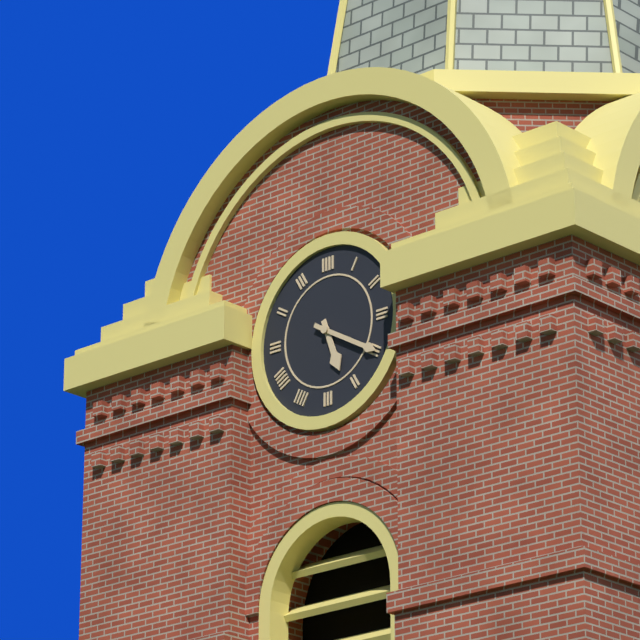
5:20
